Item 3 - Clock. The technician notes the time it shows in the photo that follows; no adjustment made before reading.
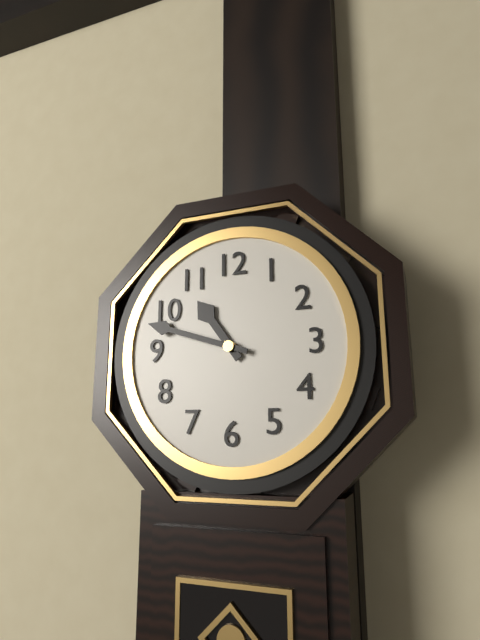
10:48
